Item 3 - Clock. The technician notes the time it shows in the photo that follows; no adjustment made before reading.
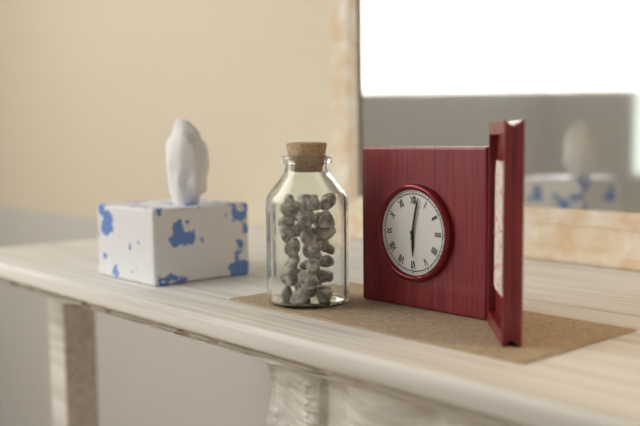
6:02
